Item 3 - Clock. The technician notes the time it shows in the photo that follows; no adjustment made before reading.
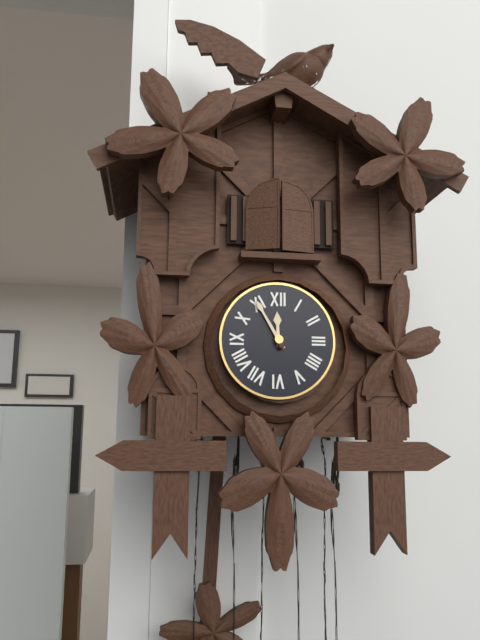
11:55
